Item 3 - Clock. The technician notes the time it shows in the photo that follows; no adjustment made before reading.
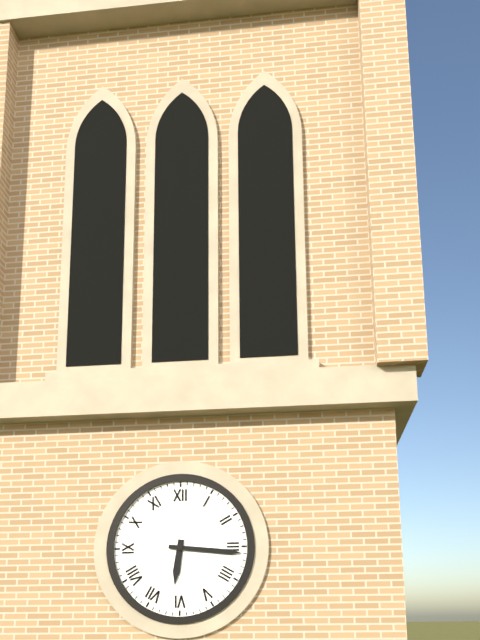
6:16
